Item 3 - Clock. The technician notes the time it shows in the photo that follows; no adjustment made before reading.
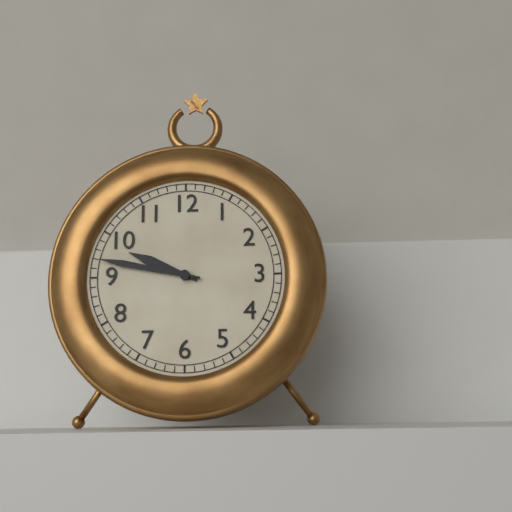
9:47
